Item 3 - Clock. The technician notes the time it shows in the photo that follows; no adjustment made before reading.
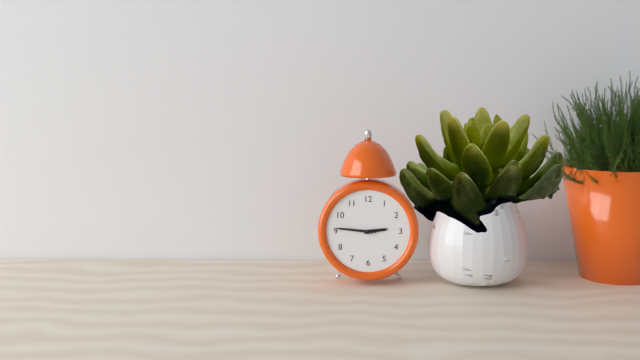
2:46
